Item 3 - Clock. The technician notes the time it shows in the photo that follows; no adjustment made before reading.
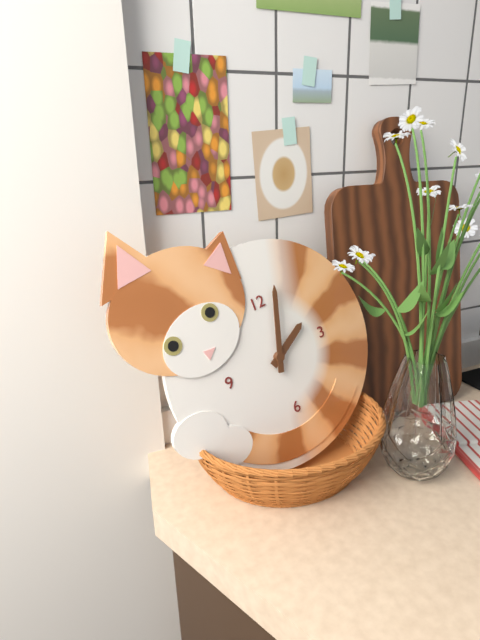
2:03
